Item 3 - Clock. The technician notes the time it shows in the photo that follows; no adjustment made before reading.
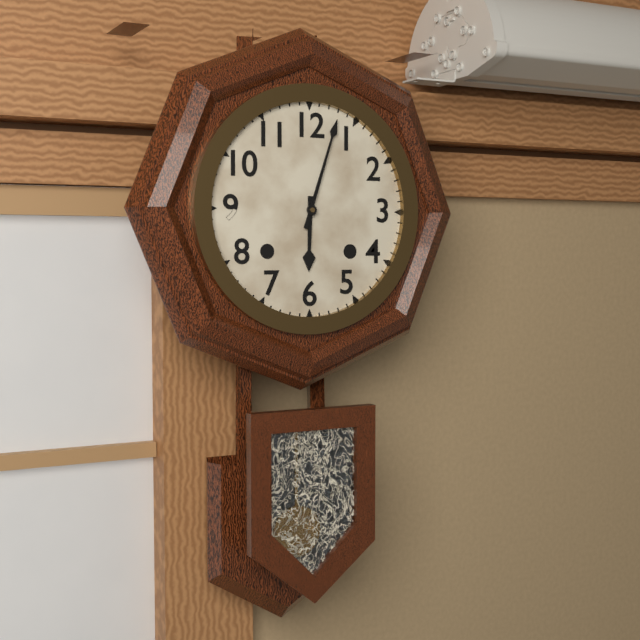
6:03
